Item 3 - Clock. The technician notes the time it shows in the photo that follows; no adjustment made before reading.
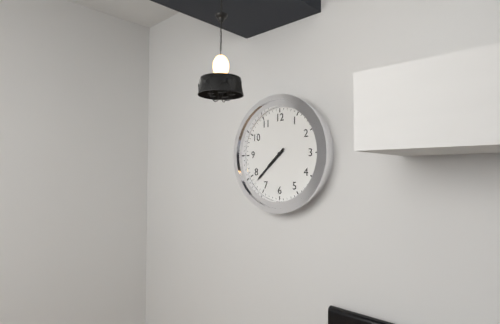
7:38
